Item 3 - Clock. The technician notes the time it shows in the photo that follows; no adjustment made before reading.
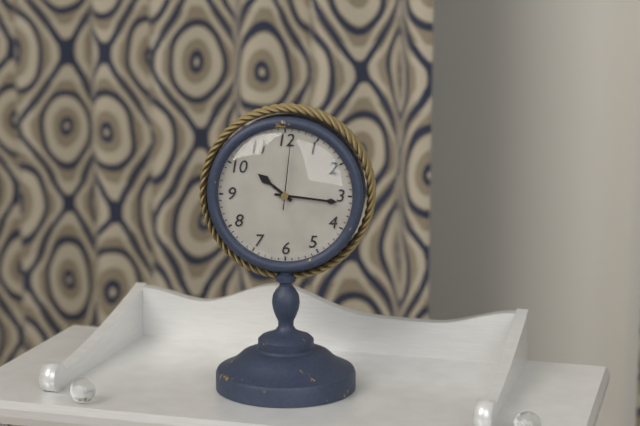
10:16:01
